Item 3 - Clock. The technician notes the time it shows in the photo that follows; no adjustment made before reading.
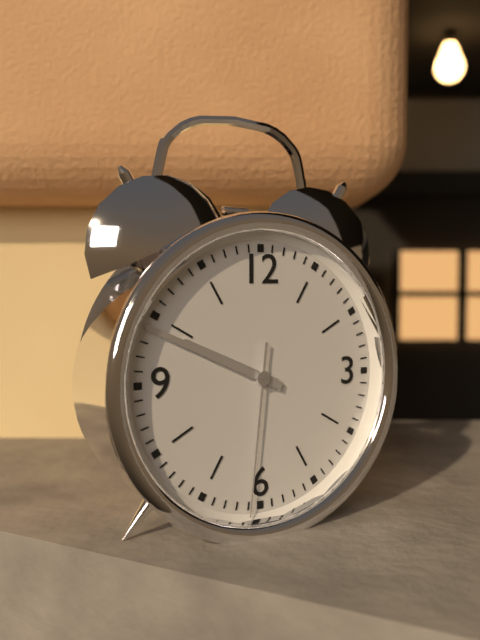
9:49:31
